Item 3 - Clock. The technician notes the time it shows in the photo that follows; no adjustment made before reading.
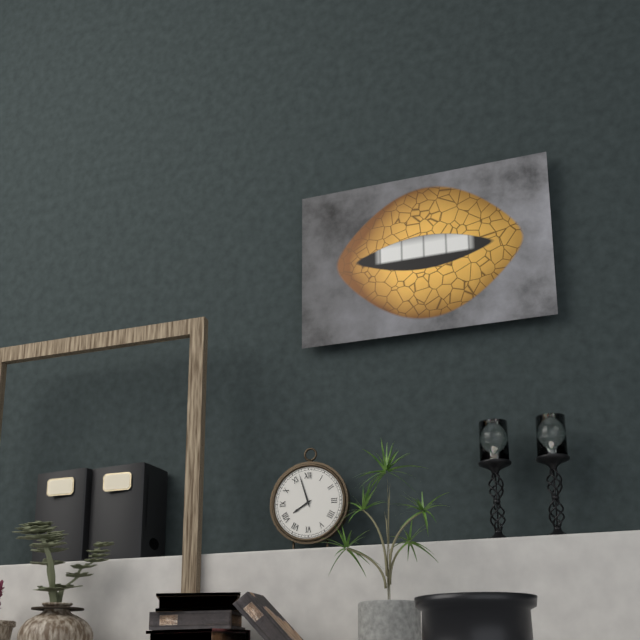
7:57
